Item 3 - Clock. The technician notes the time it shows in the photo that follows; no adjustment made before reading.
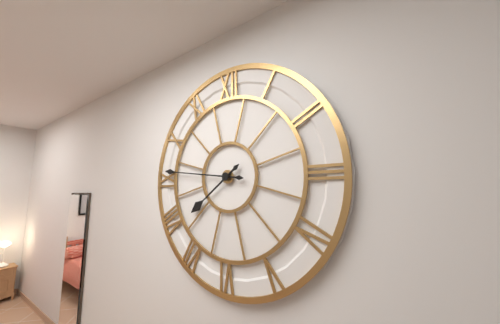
7:46
